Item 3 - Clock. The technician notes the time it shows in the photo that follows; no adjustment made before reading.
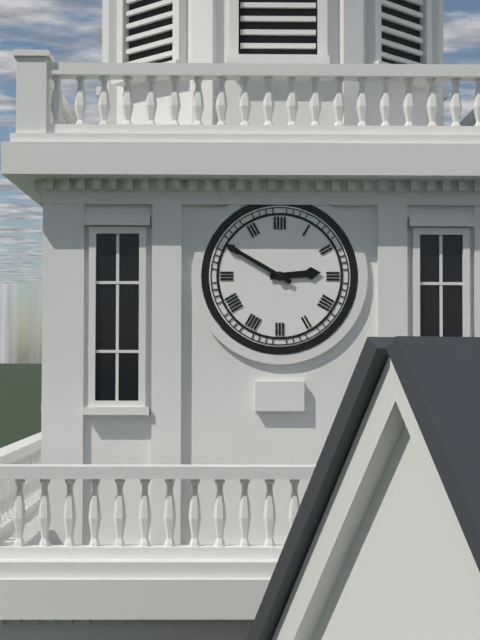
2:50
